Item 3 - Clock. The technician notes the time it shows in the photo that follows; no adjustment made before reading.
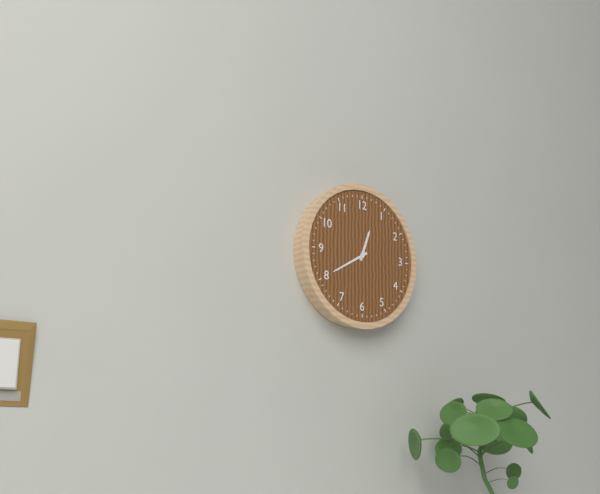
12:40
